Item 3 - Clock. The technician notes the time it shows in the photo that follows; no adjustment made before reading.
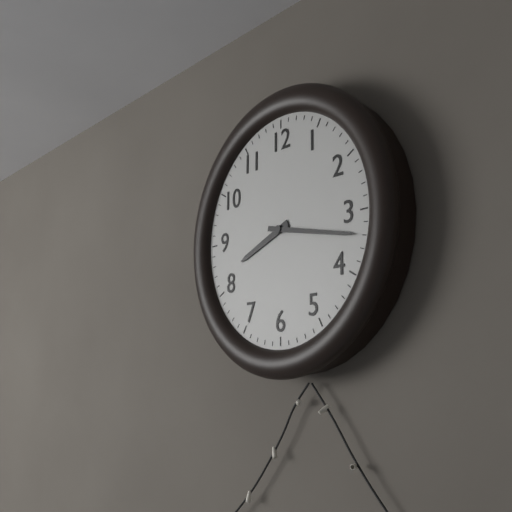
8:17
